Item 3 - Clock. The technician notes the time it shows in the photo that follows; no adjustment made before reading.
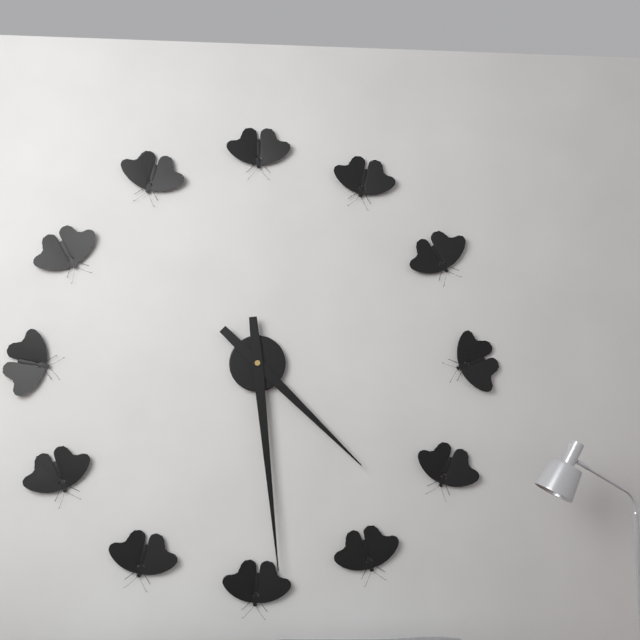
4:29
